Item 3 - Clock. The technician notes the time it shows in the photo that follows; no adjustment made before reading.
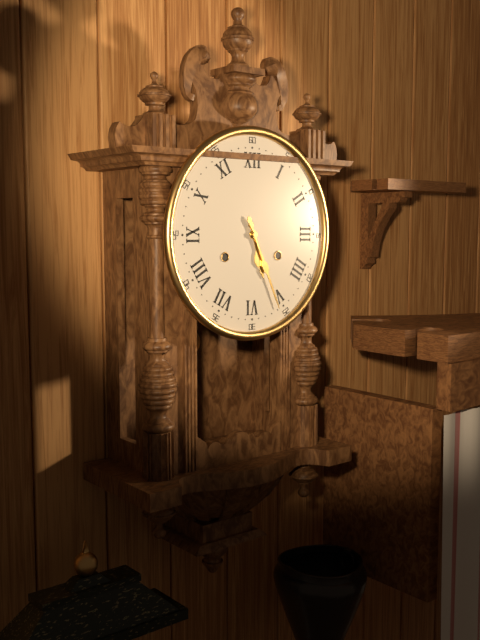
5:26
